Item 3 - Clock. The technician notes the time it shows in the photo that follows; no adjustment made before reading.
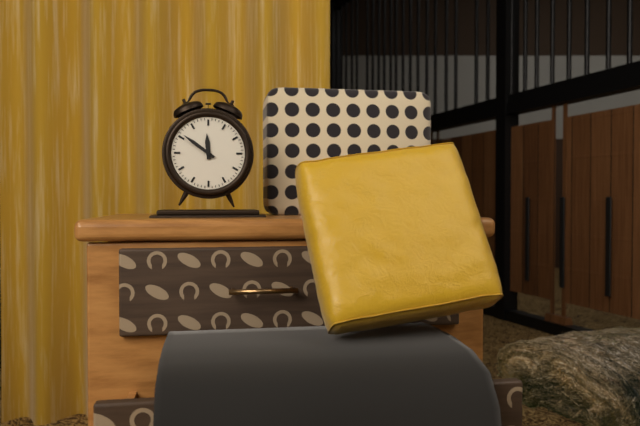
11:51
